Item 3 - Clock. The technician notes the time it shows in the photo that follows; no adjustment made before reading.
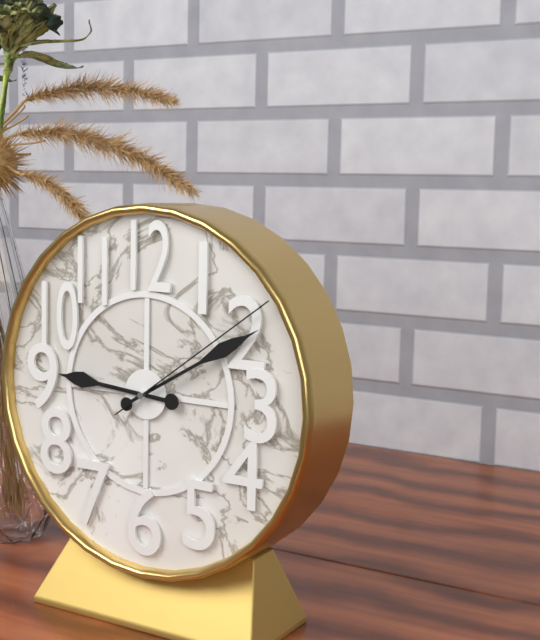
9:10:09
